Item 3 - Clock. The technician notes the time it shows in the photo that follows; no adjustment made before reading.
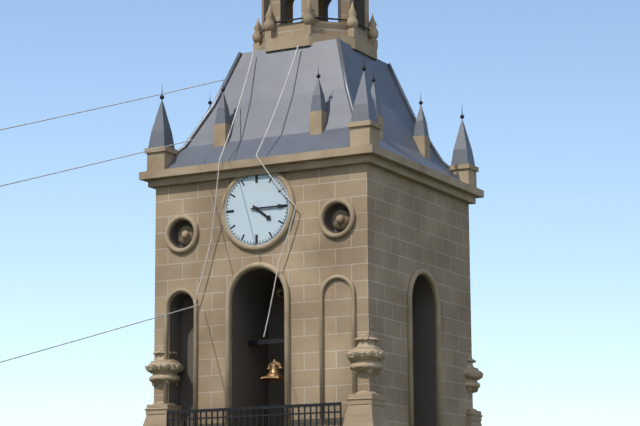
4:15
